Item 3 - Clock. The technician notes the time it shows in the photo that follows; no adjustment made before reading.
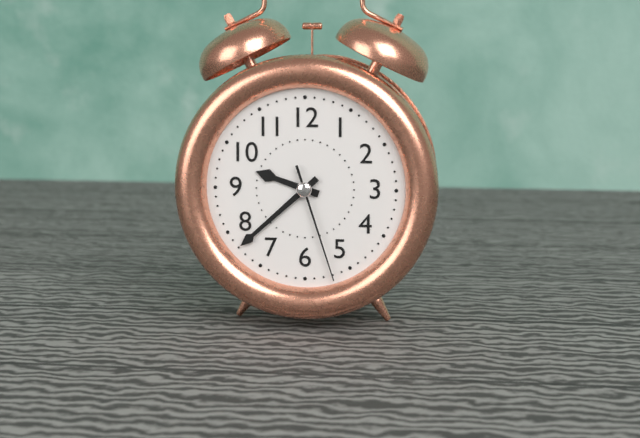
9:38:27
